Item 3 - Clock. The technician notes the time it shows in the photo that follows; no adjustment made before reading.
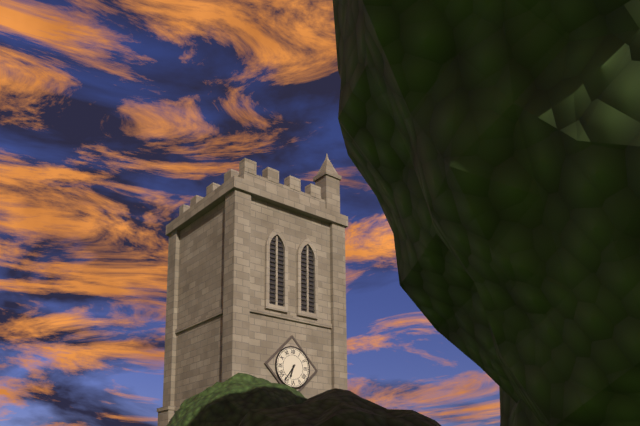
6:36
